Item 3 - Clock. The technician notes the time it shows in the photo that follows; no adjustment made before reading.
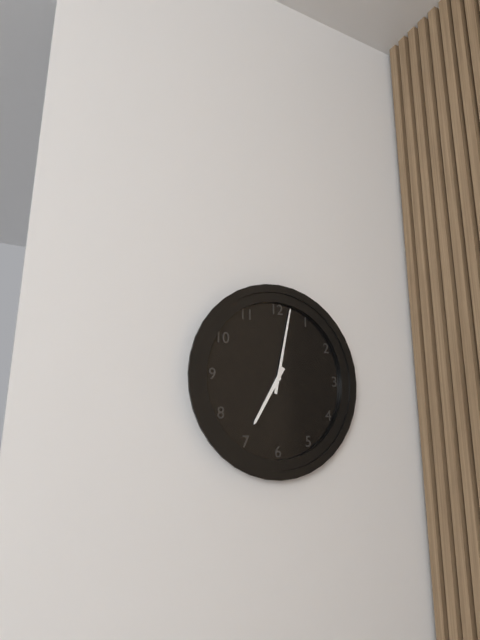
7:02
